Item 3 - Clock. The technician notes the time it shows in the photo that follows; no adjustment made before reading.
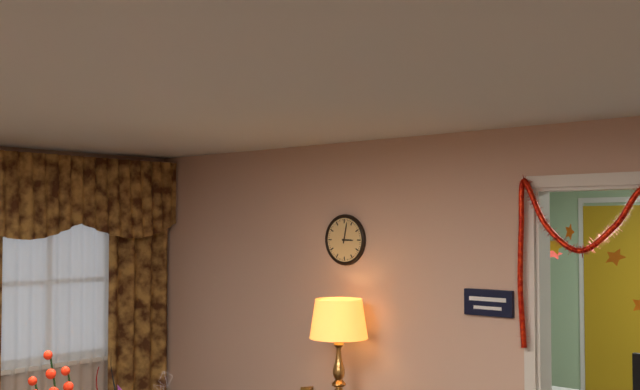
3:02
